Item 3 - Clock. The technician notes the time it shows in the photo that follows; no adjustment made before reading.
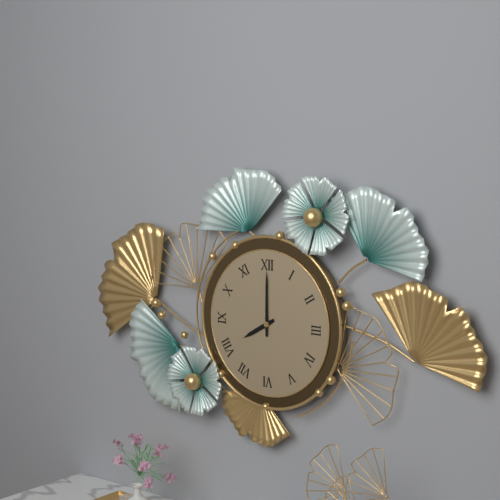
8:00
